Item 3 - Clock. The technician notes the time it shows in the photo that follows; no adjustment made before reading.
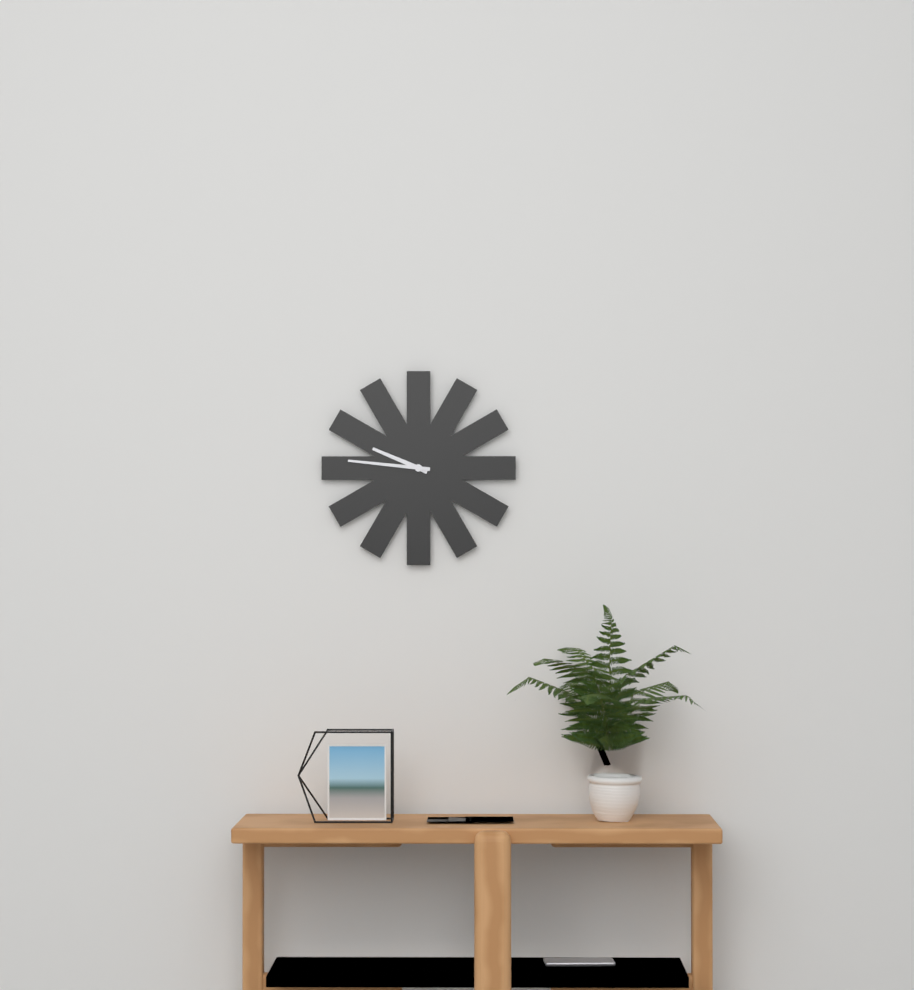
9:46
